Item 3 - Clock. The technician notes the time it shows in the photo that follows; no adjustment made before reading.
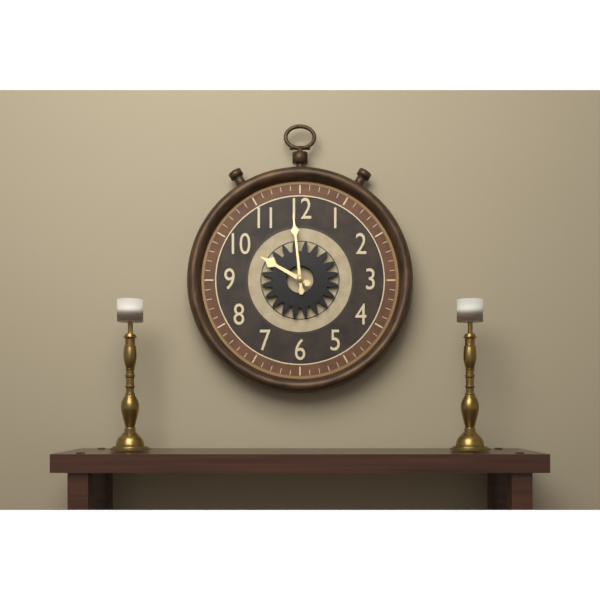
9:59
